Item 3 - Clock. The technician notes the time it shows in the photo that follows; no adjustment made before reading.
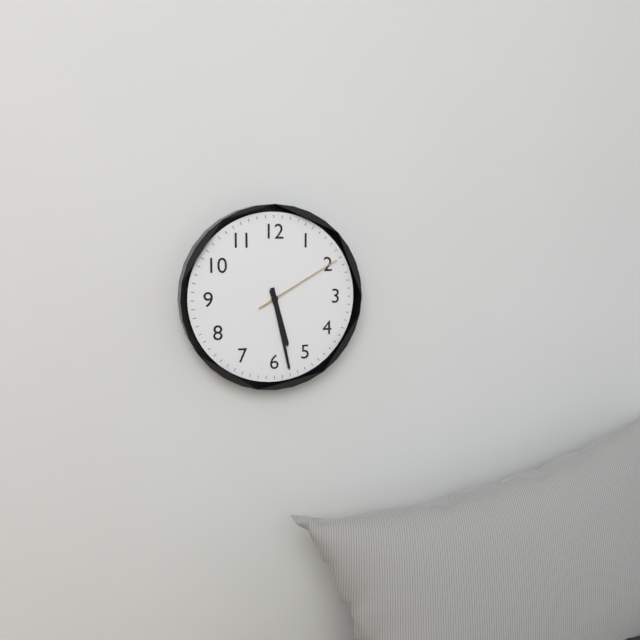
5:28:10
